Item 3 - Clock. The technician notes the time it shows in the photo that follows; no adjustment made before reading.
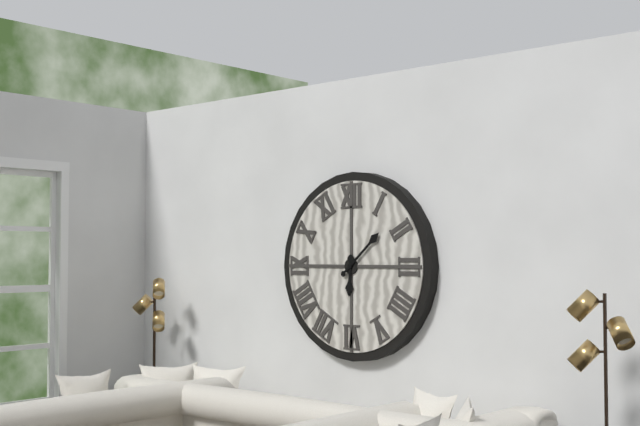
6:08
